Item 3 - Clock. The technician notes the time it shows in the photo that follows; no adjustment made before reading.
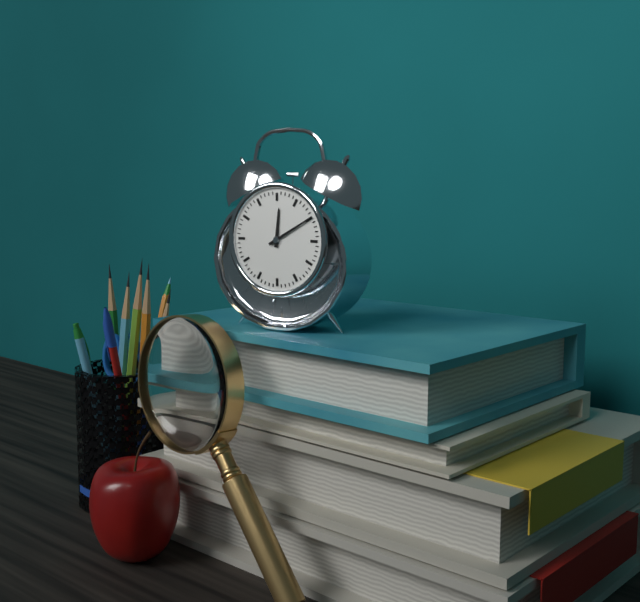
12:10
